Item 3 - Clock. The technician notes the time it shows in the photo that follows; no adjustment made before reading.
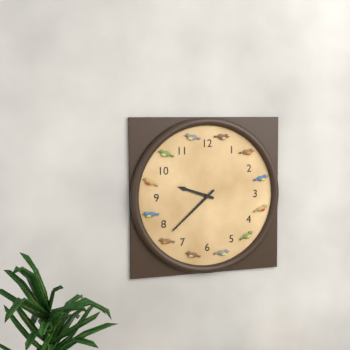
9:38
